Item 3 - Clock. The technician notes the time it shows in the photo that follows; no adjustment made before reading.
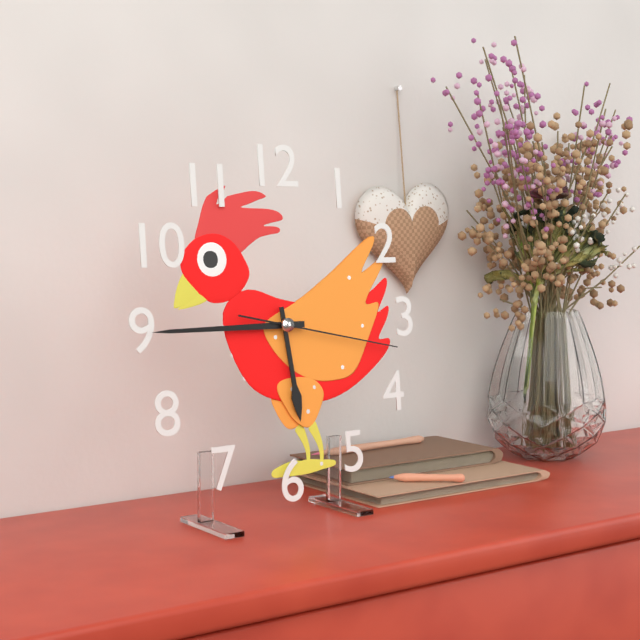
5:45:17
